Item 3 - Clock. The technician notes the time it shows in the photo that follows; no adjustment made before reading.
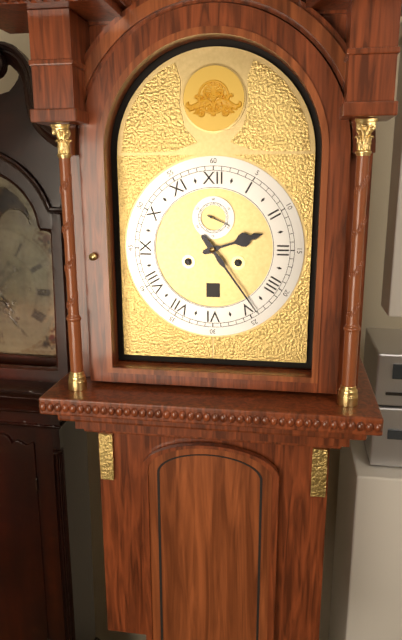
2:24
